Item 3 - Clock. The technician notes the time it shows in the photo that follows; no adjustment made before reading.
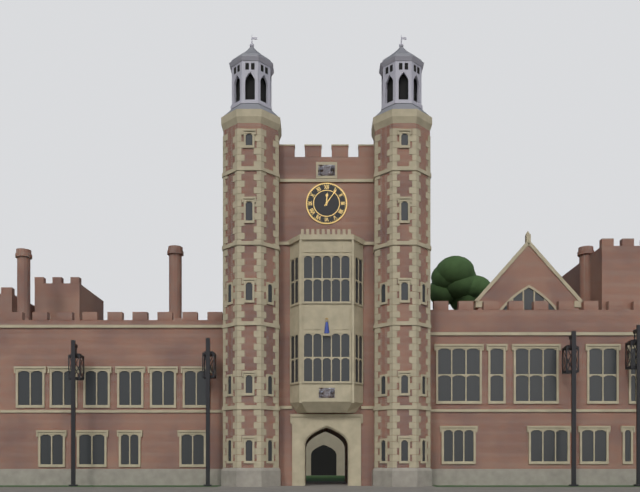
12:06
